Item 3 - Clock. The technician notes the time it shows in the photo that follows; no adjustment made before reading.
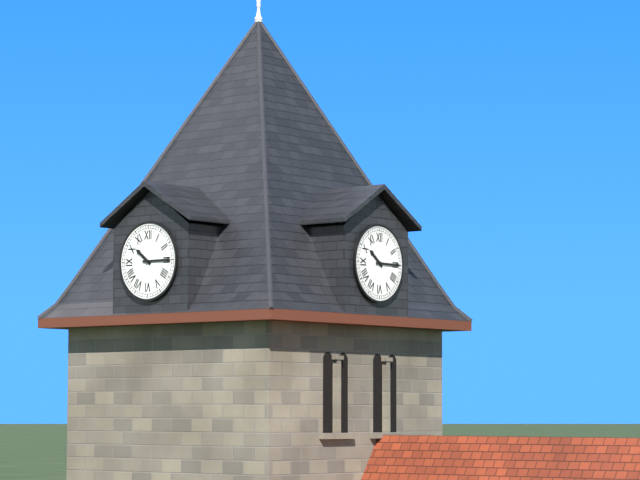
10:15
